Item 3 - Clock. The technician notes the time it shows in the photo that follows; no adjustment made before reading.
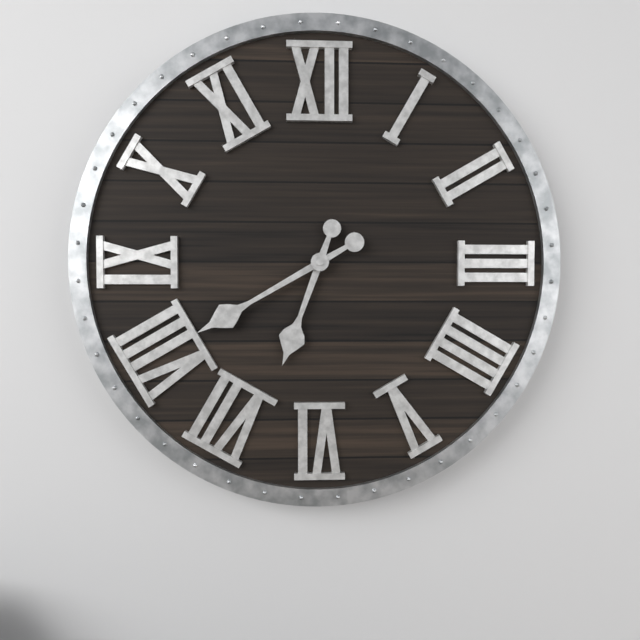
6:40
